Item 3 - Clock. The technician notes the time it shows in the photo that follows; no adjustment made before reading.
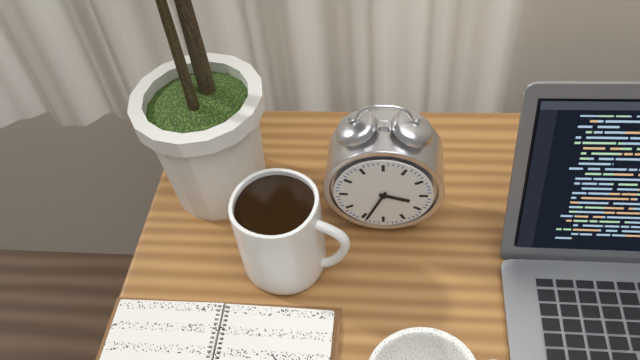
3:34
